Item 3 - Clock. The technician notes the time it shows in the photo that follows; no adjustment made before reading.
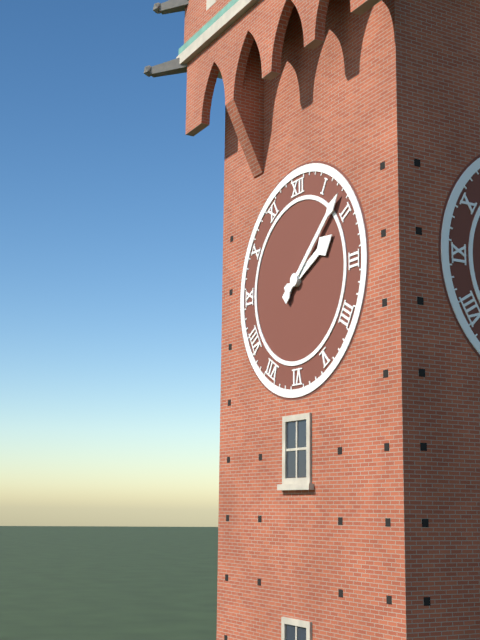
2:08
